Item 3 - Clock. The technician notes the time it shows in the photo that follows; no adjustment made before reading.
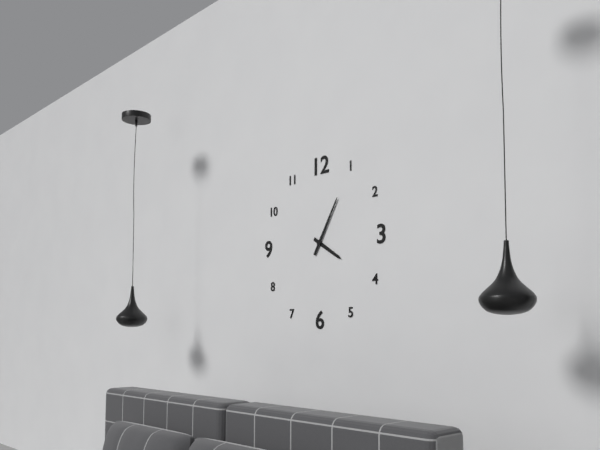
4:05
